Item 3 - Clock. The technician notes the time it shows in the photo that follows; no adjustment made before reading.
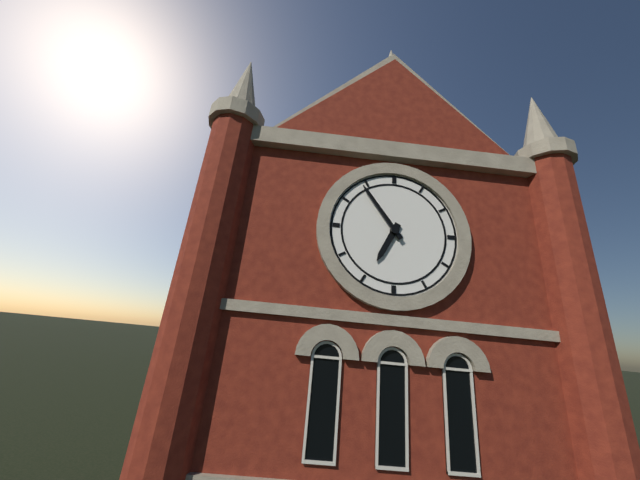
6:54
